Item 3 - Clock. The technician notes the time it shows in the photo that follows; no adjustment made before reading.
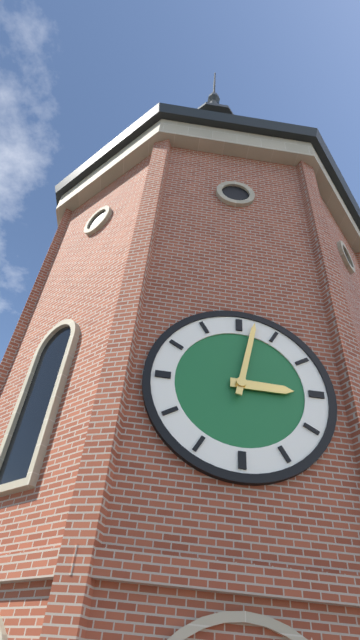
3:02
